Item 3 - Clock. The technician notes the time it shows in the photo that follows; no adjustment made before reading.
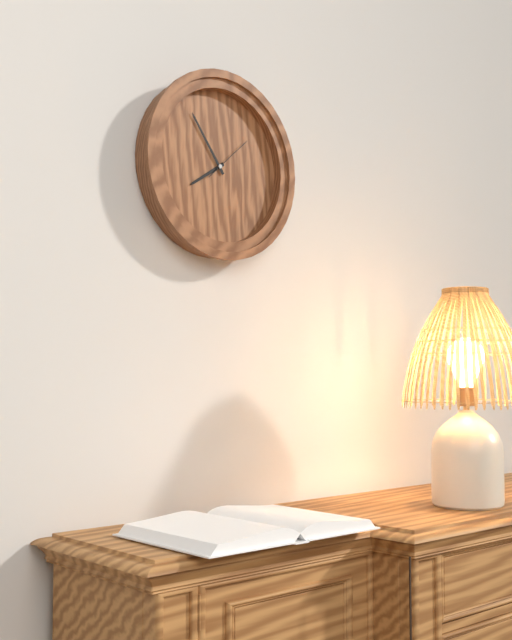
7:54
